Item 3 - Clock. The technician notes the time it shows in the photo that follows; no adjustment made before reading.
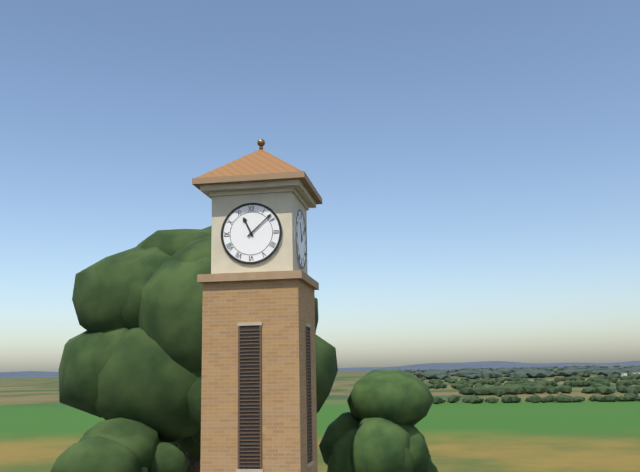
11:08
